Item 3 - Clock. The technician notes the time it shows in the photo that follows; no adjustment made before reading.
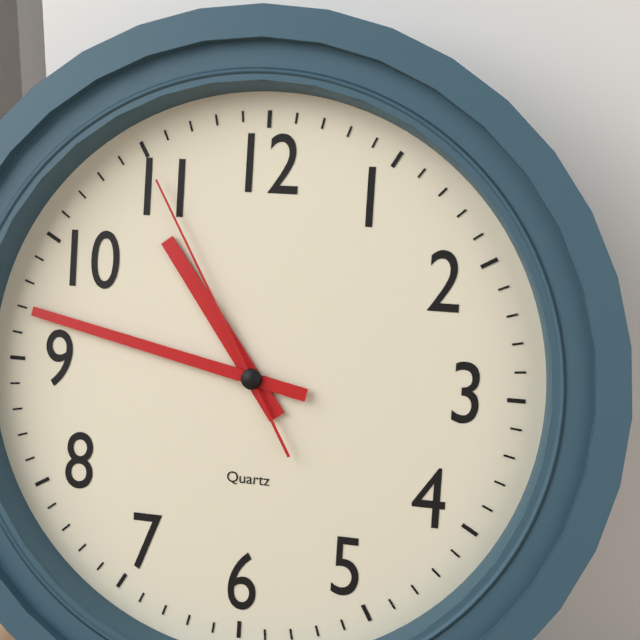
10:47:55
